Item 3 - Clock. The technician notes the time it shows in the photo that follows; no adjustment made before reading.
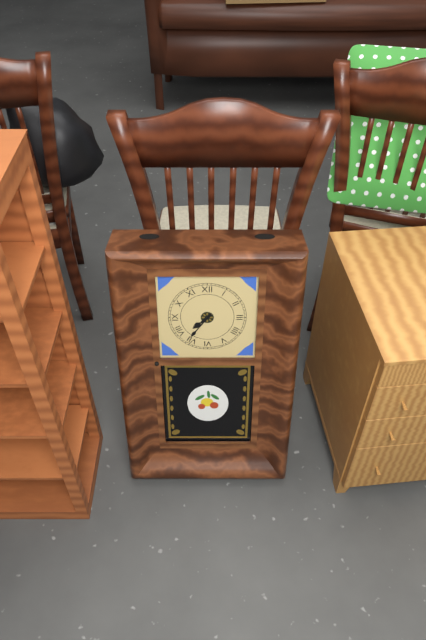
7:36
